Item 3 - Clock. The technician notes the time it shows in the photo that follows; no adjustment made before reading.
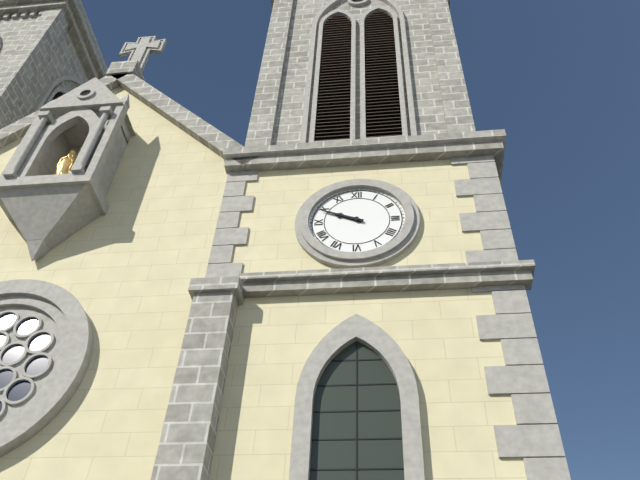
9:49
